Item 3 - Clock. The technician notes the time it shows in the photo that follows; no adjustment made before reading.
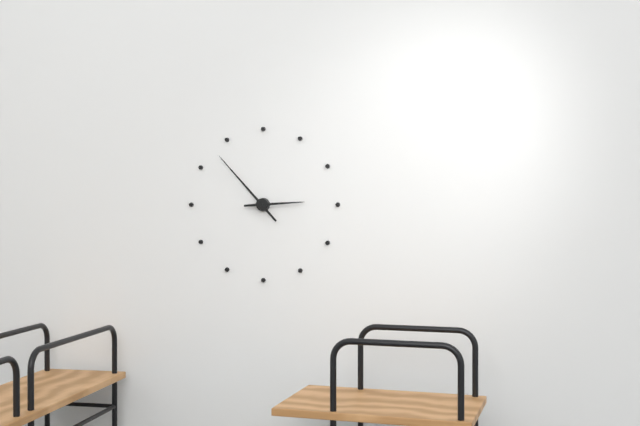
2:53
